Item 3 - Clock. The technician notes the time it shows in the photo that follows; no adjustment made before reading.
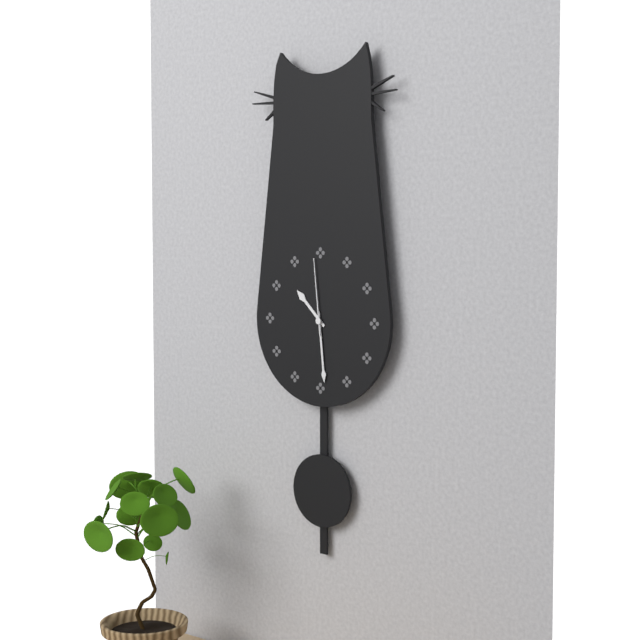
10:29:59
